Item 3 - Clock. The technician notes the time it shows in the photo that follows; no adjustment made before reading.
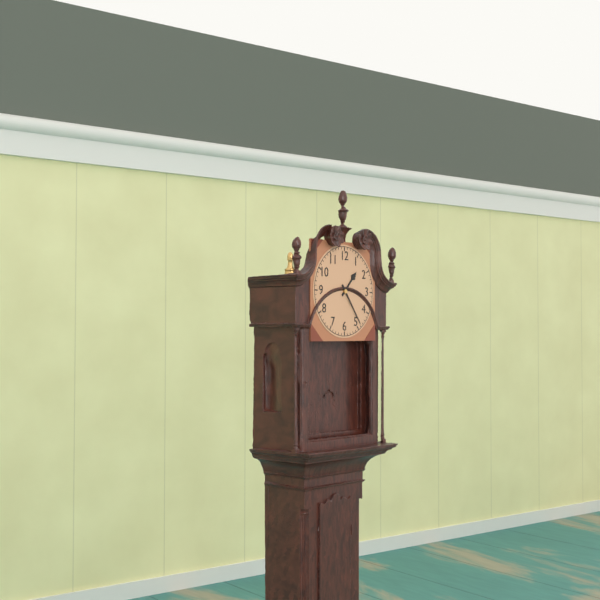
1:24
